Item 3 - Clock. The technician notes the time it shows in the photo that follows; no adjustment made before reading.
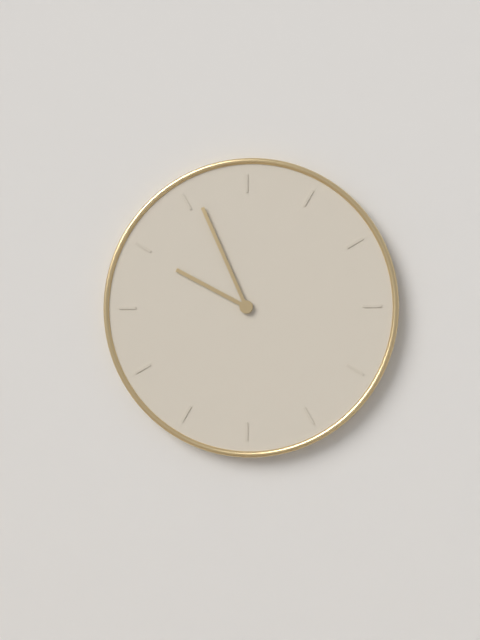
9:56
